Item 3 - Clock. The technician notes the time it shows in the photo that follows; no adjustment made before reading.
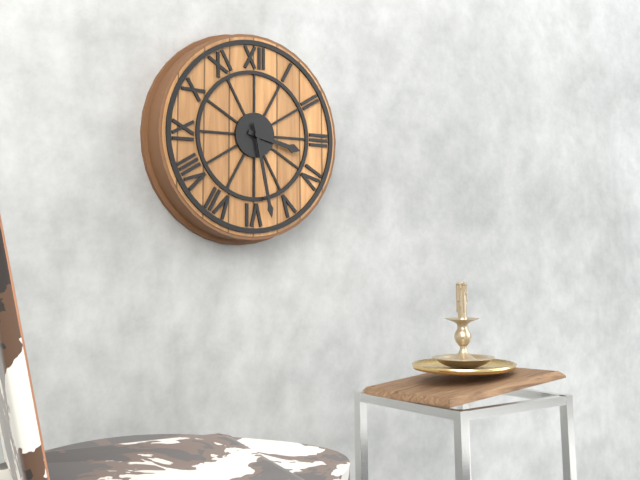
3:28
